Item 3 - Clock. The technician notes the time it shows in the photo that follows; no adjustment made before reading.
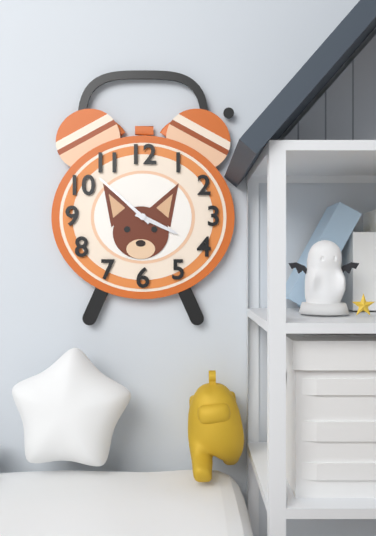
3:52
